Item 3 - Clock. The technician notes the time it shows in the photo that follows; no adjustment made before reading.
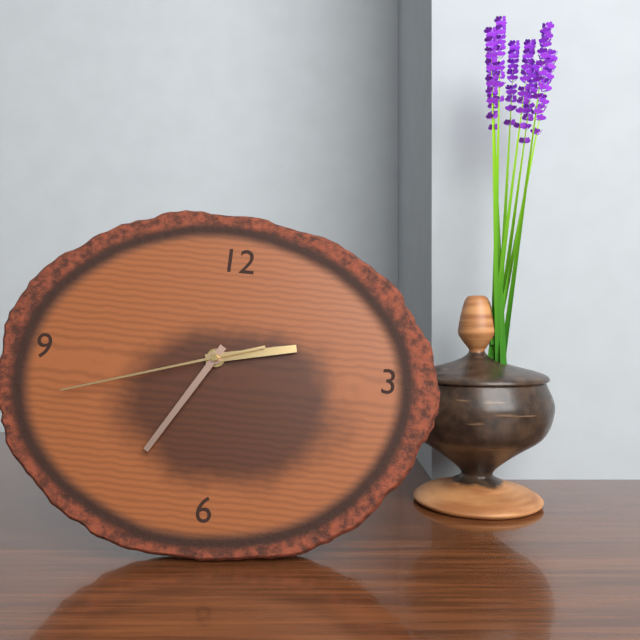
2:35:42
